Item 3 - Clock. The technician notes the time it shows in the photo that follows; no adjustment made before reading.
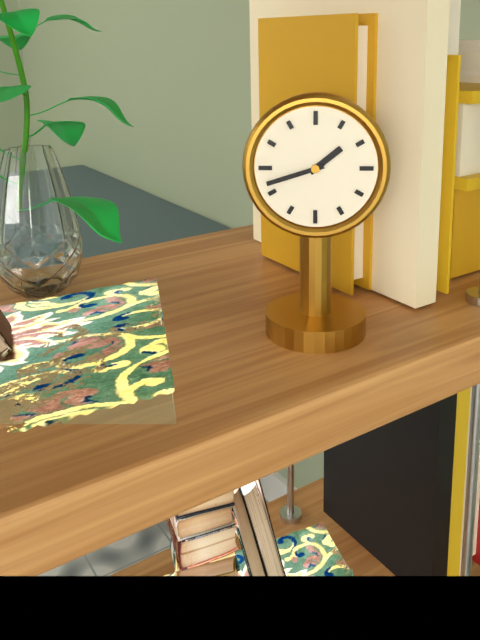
1:42
